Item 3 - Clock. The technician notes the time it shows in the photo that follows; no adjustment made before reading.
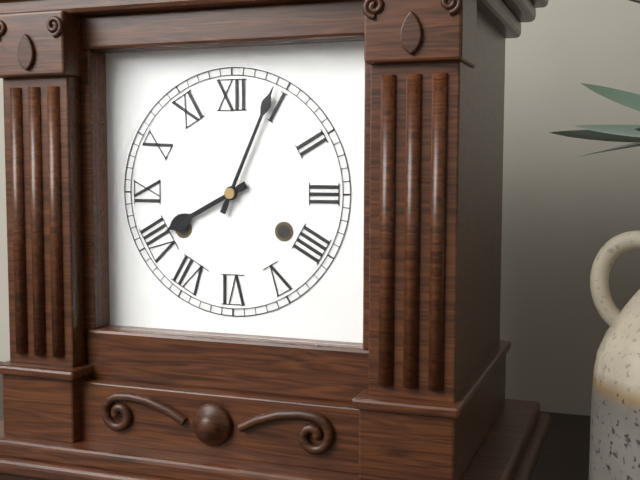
8:04
